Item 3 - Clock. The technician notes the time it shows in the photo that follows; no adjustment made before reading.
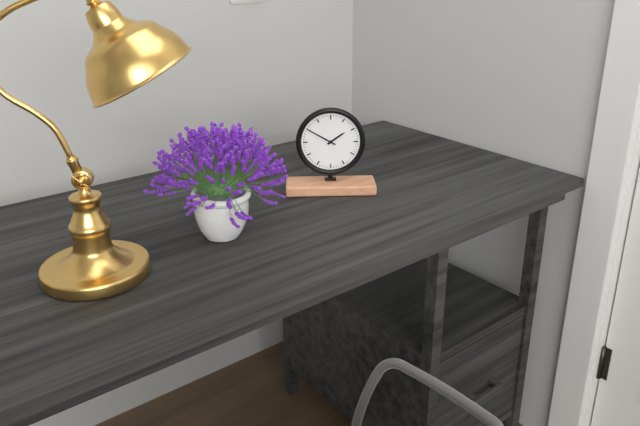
1:50
